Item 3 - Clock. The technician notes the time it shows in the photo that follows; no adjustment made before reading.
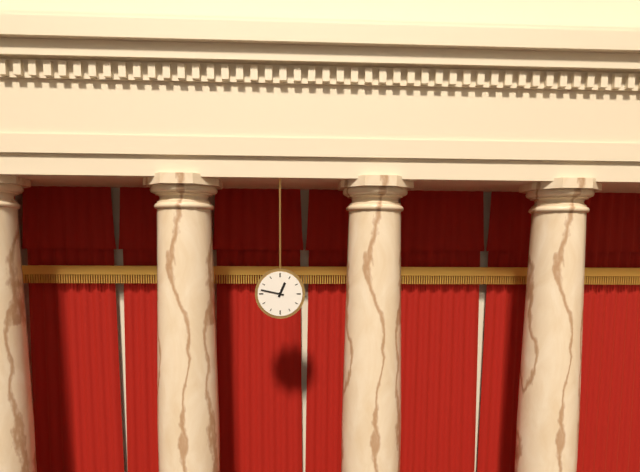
12:47
